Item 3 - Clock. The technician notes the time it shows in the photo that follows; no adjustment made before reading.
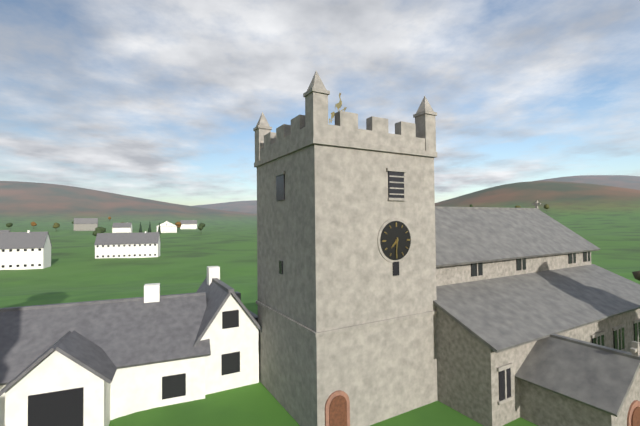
7:31
